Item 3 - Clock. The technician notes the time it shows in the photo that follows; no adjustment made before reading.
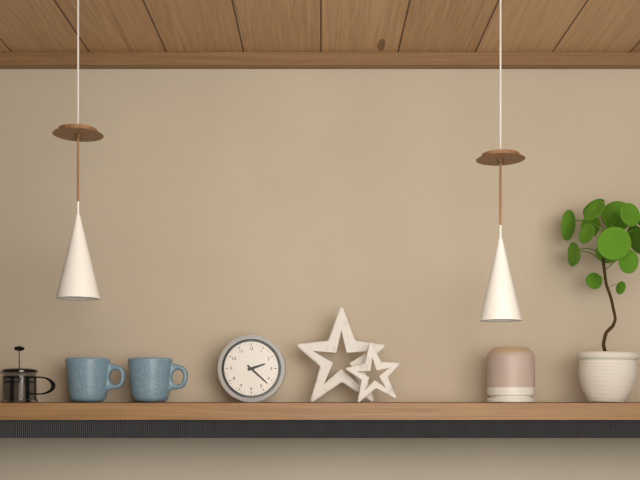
2:22
